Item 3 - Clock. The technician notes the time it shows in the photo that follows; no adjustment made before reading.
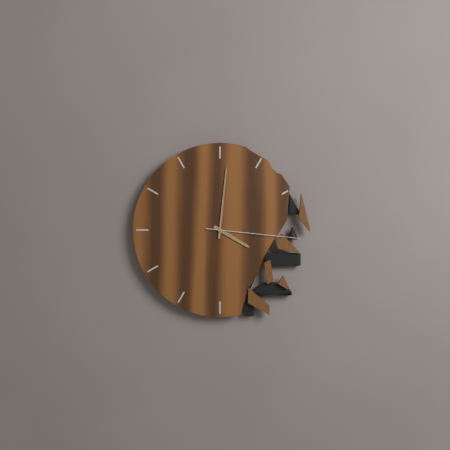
4:01:16
